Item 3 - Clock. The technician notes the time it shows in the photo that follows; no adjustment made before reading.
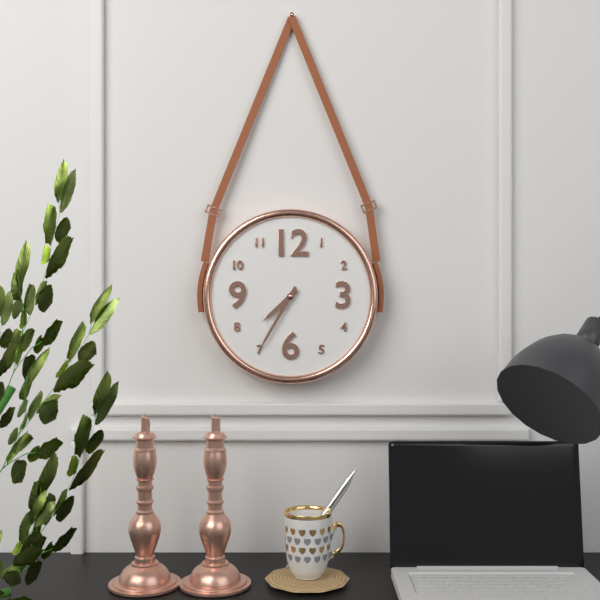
7:35
